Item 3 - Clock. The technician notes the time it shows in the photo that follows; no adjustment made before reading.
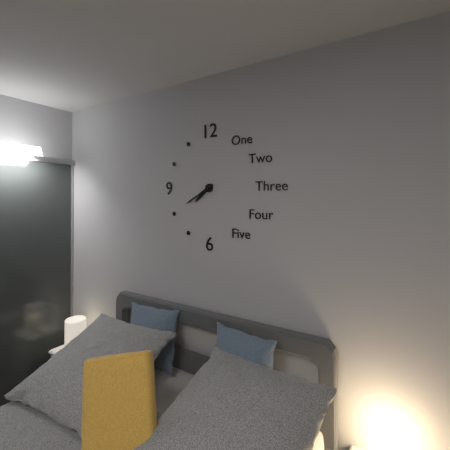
7:40
